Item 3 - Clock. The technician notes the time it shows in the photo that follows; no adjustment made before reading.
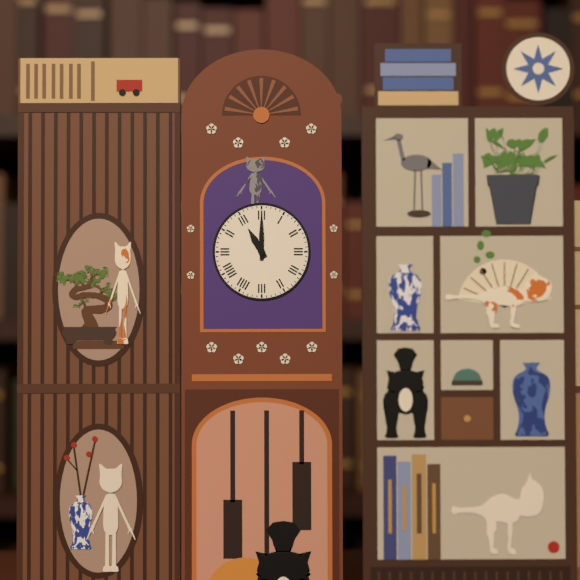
11:00
